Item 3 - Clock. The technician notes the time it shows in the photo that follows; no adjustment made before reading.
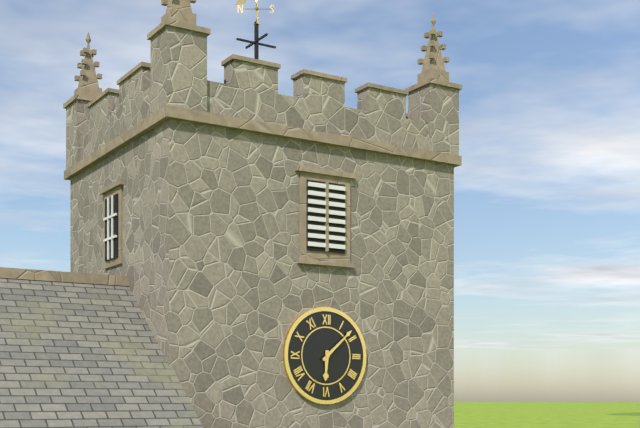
6:08
